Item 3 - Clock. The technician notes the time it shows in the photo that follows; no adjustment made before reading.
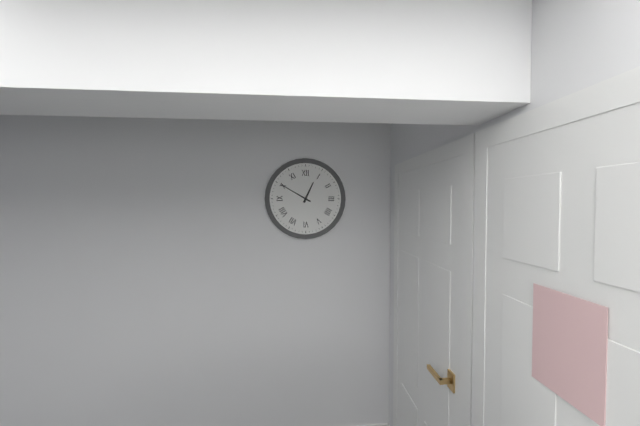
12:50
